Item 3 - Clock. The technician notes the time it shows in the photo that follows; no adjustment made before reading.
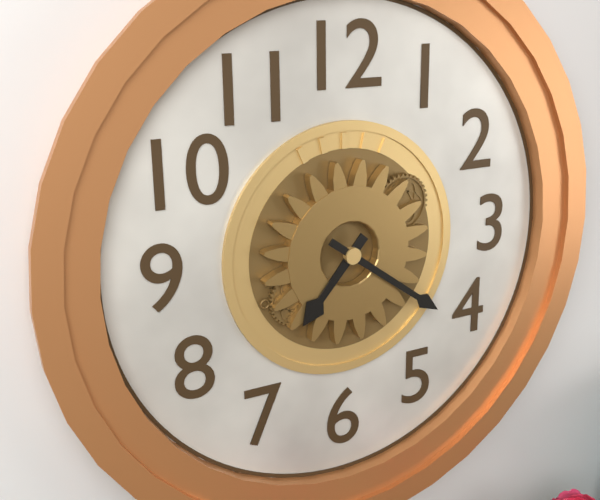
7:21
